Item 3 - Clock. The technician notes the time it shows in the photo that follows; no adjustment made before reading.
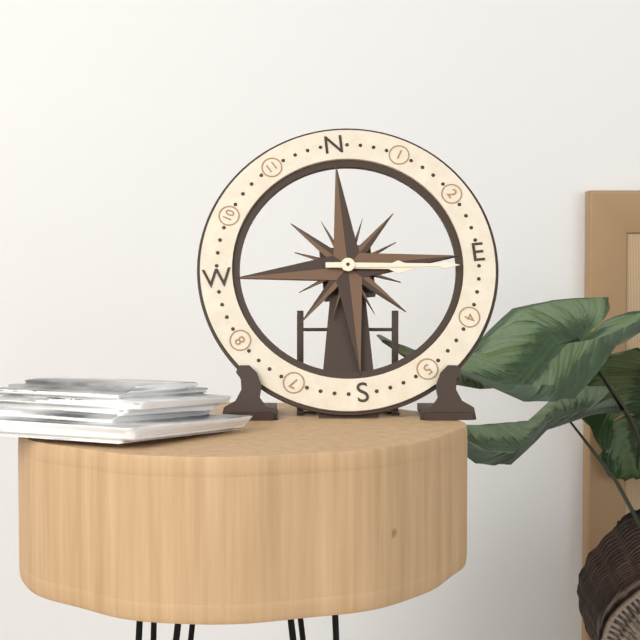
3:16
